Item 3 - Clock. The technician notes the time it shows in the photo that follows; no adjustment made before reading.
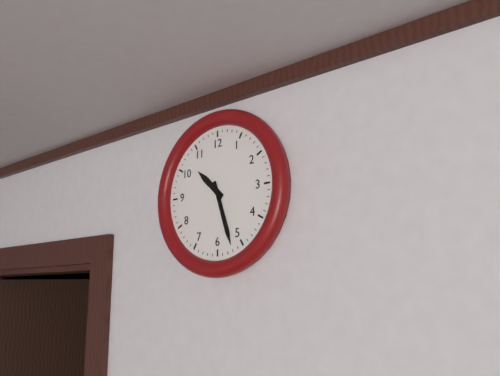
10:27
